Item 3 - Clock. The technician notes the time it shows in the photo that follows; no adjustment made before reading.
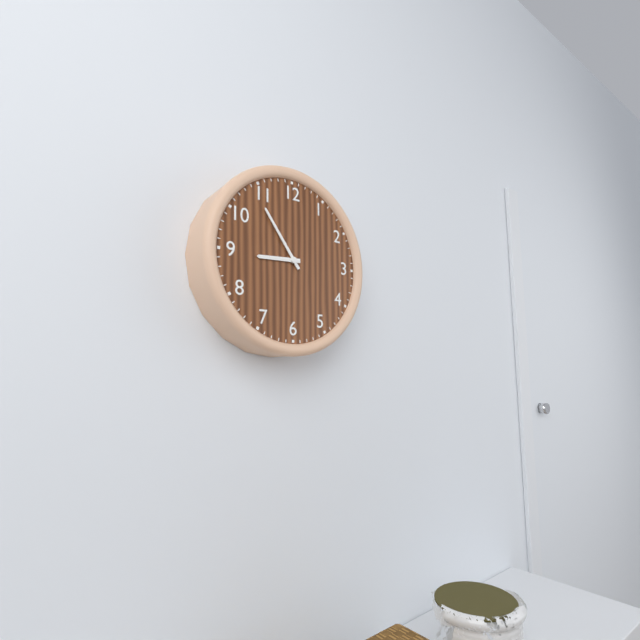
8:54
